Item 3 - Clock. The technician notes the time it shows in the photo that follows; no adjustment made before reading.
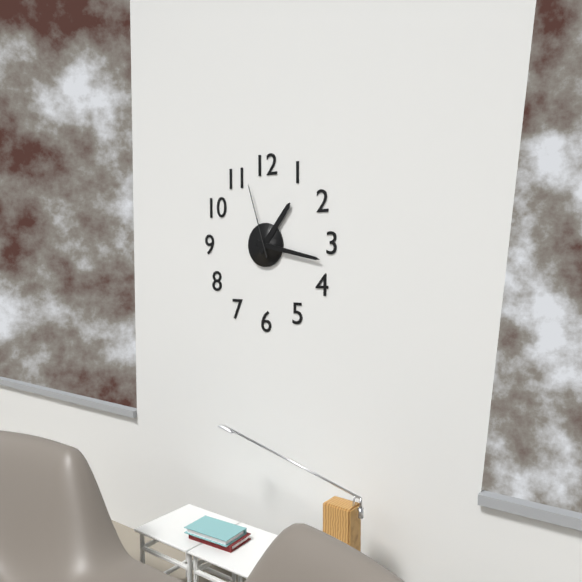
1:17:57
